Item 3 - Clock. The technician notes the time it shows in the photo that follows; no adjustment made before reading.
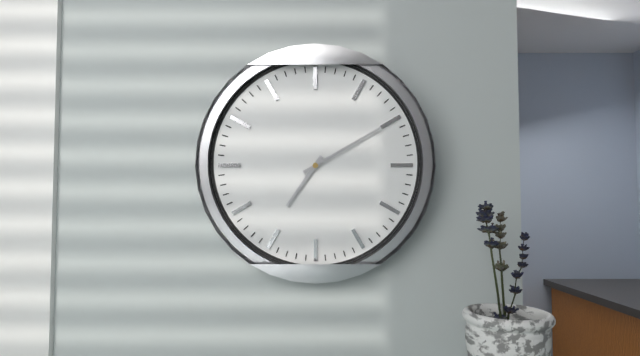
7:10
